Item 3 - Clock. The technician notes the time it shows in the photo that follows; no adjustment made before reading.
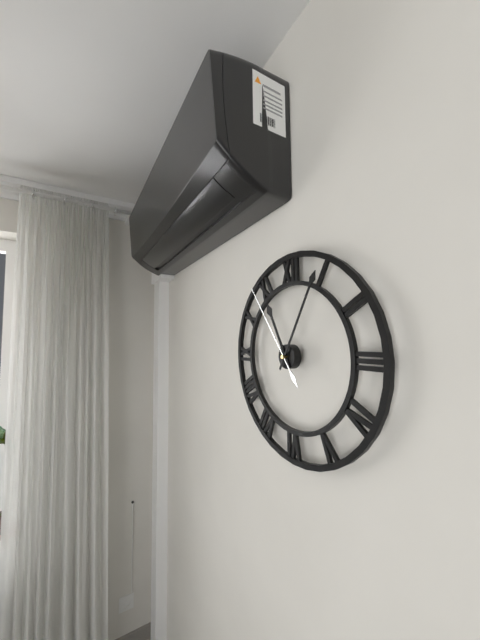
11:05:54
